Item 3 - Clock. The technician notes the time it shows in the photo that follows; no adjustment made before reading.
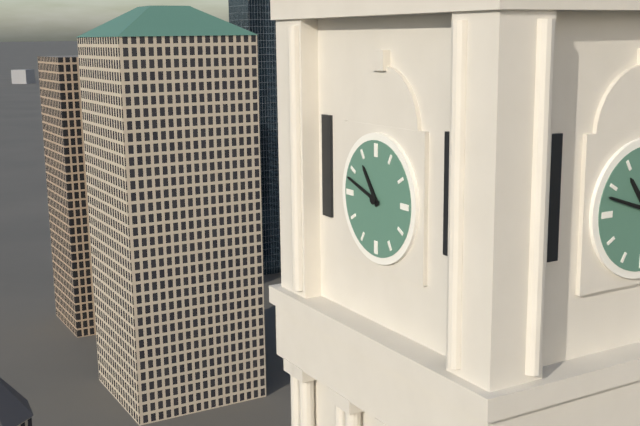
10:48
